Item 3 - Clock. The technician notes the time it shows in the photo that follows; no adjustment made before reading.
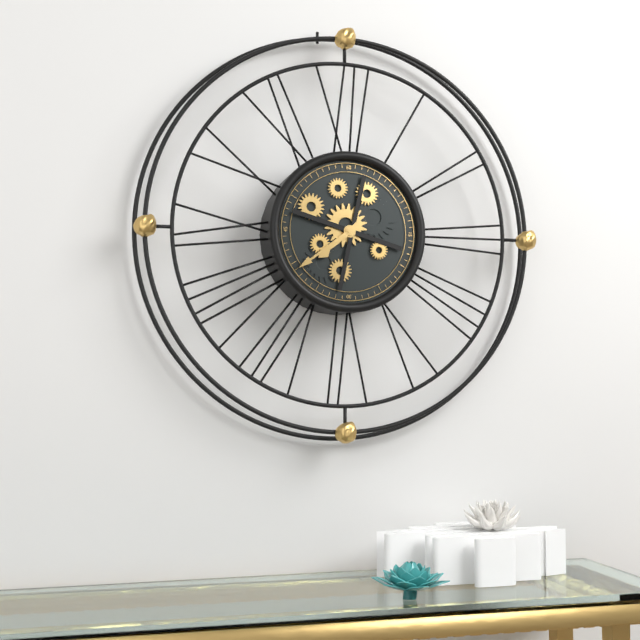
7:39
